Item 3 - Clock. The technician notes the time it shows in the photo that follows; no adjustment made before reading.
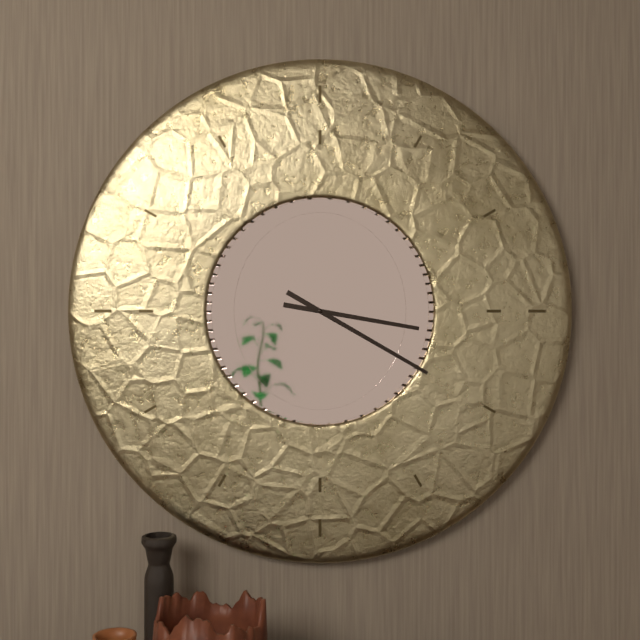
3:20
